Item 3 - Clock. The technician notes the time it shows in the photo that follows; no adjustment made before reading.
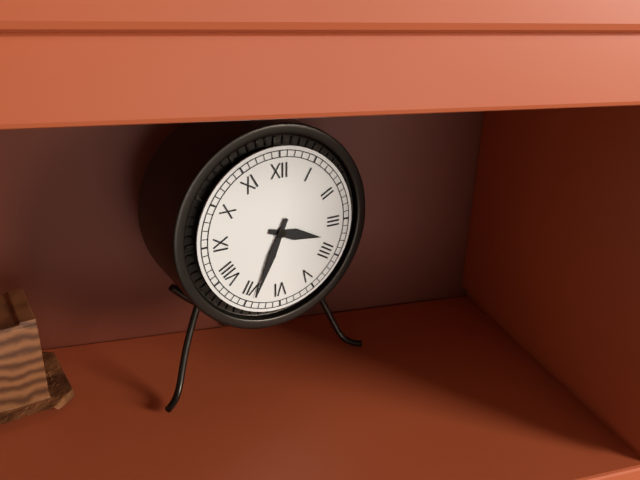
3:34
